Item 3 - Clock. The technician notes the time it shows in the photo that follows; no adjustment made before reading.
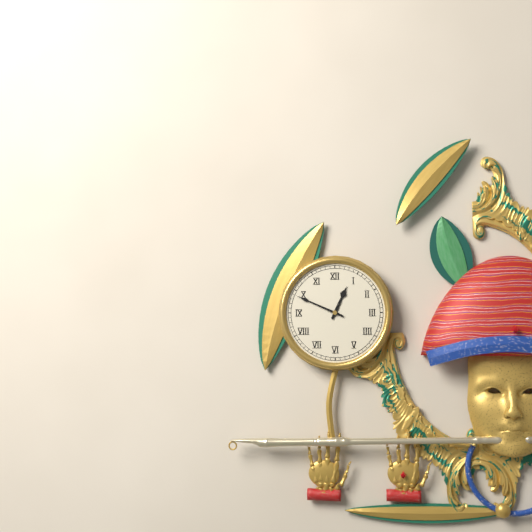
12:49
